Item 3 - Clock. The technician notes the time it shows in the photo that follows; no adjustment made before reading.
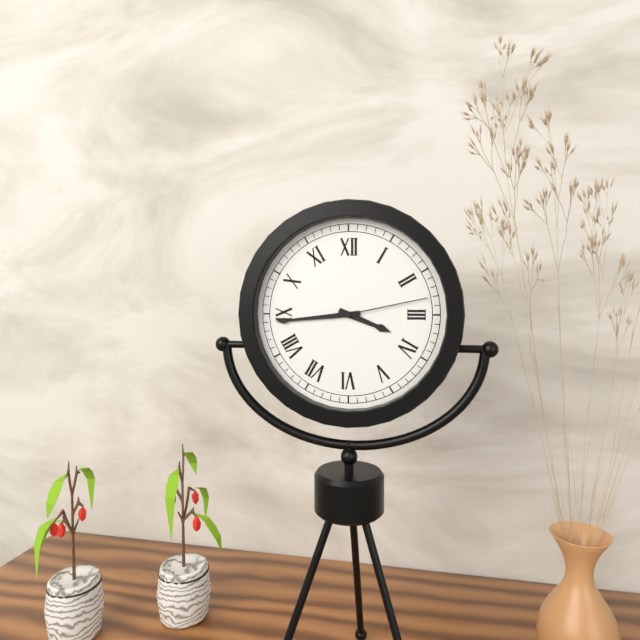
3:44:13
